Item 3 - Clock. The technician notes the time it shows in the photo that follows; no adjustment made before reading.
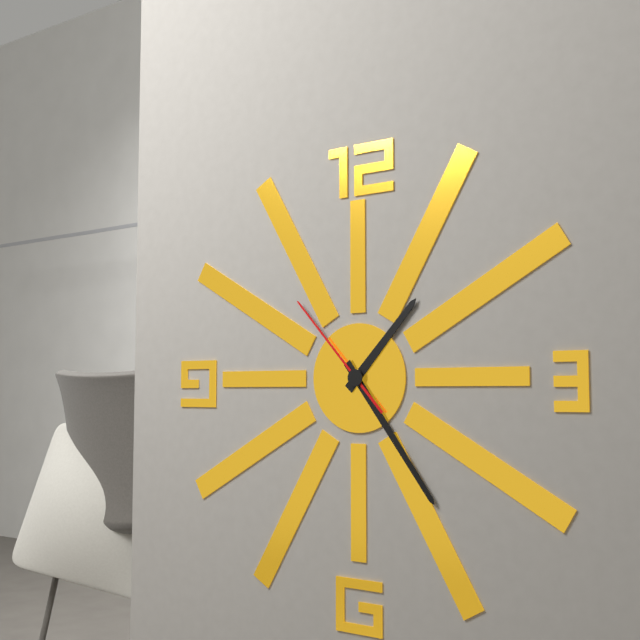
1:24:53
